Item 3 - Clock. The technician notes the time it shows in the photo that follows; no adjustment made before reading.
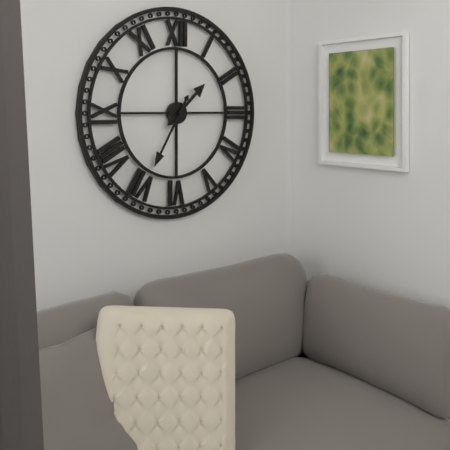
1:35
